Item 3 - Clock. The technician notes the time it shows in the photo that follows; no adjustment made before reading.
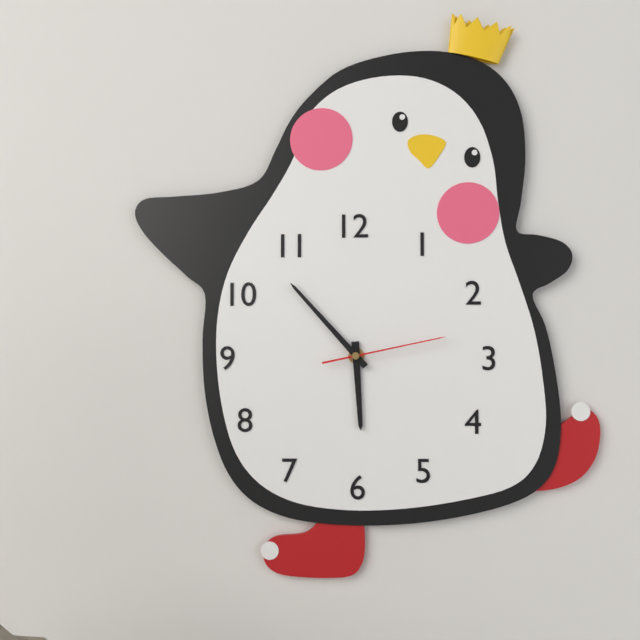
5:53:13
